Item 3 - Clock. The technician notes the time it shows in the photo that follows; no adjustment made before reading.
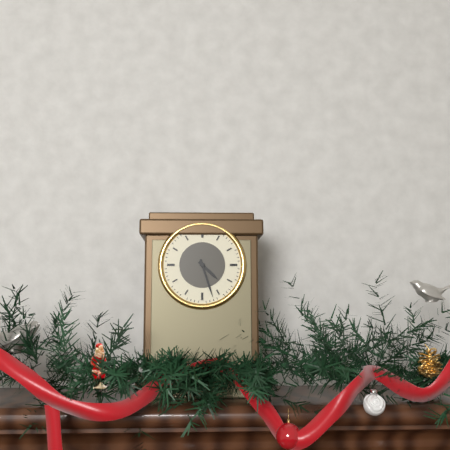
4:27
